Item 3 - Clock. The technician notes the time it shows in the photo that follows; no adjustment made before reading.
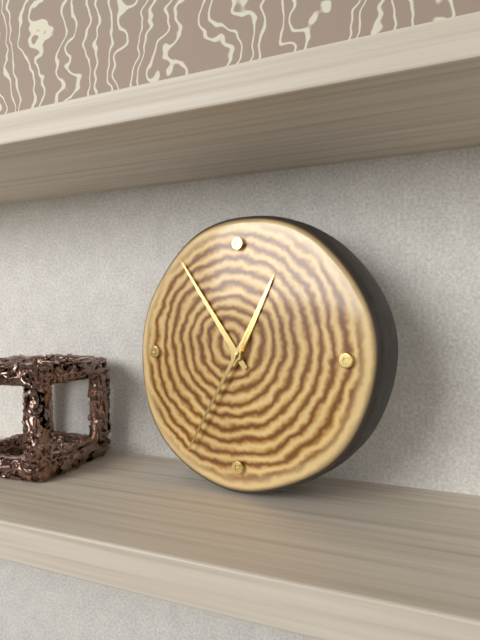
12:54:35
